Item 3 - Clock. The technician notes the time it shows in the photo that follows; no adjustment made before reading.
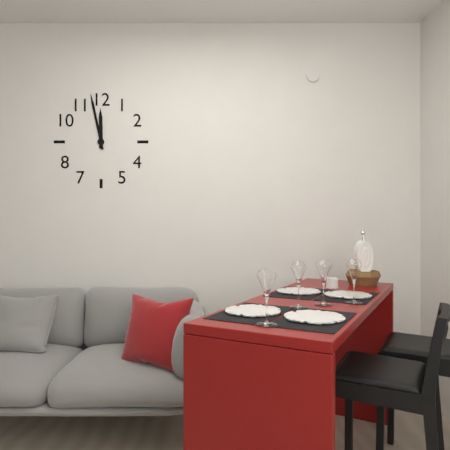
11:58
